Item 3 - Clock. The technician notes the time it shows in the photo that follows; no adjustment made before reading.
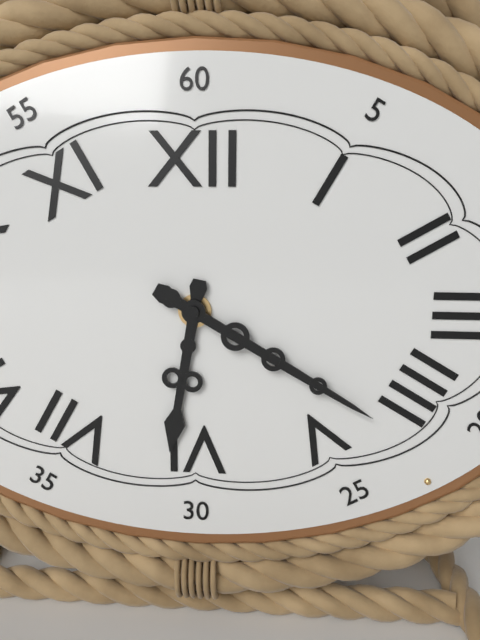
6:20
